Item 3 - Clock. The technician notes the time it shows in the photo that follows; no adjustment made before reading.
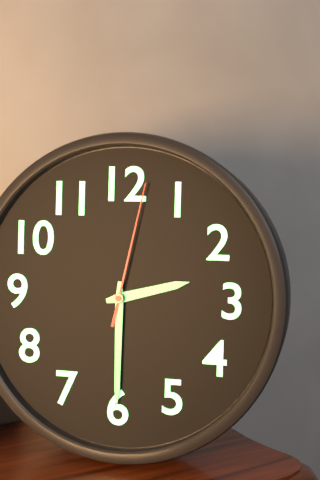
2:30:02
